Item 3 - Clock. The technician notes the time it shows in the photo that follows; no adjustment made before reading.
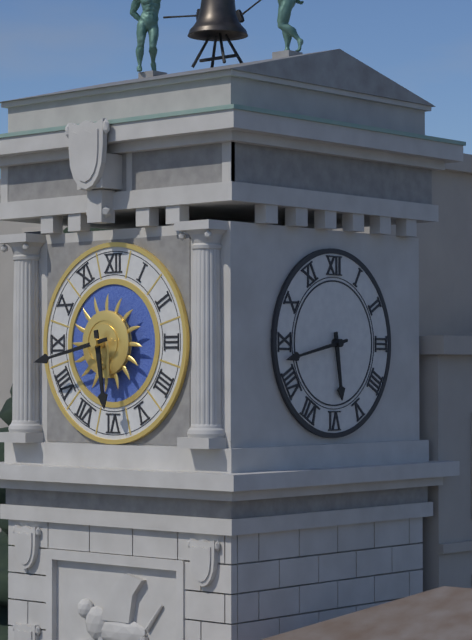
5:43
